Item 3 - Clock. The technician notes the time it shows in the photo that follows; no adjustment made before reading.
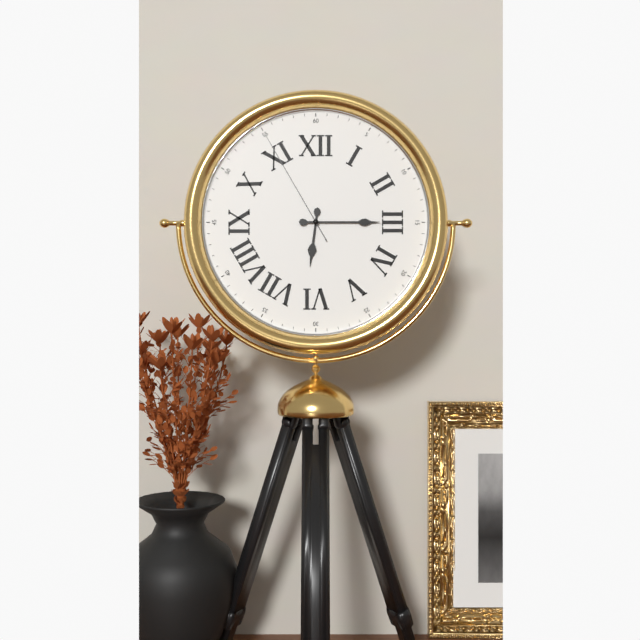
6:15:55
